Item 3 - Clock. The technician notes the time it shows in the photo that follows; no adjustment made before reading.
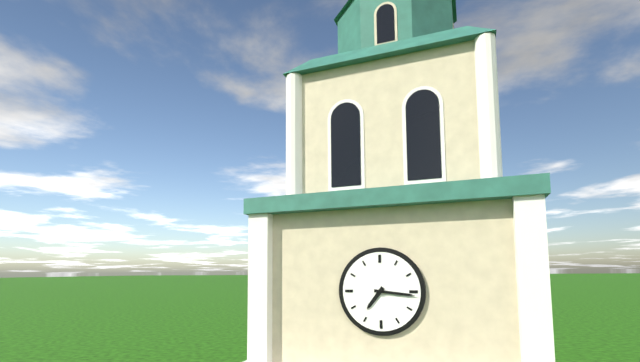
7:16
